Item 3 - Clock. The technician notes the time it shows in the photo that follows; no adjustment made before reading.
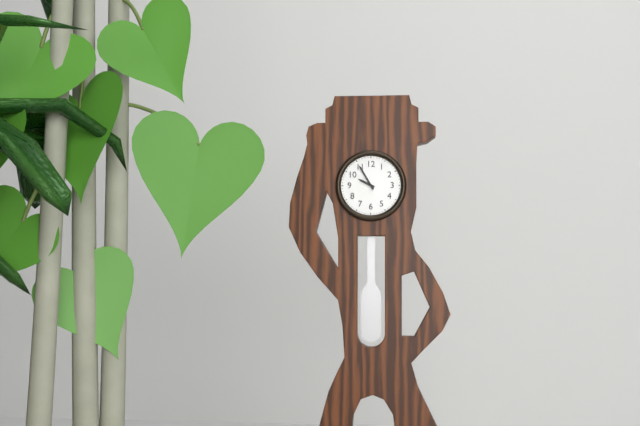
9:55
